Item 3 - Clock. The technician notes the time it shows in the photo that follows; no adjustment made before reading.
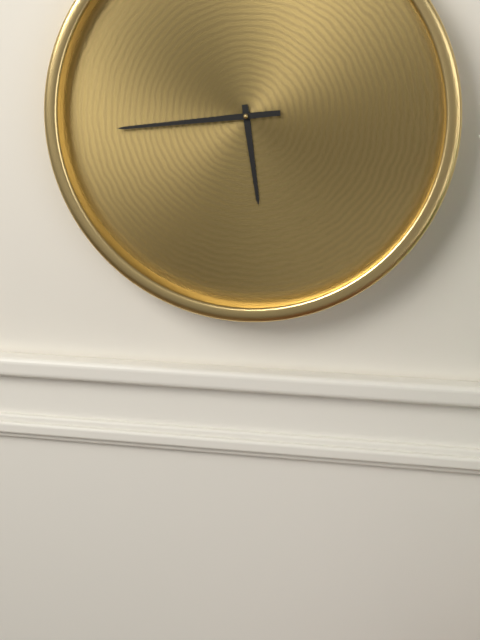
5:44
